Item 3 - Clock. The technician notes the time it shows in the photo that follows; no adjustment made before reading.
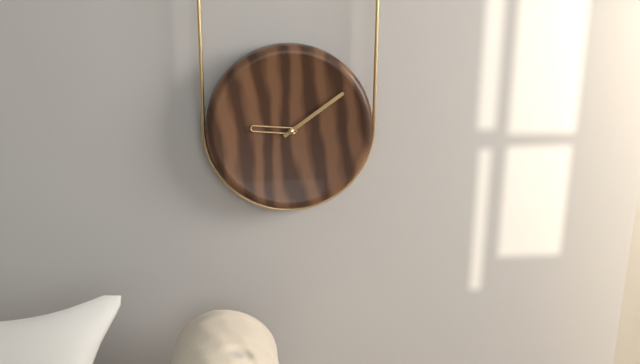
9:09
